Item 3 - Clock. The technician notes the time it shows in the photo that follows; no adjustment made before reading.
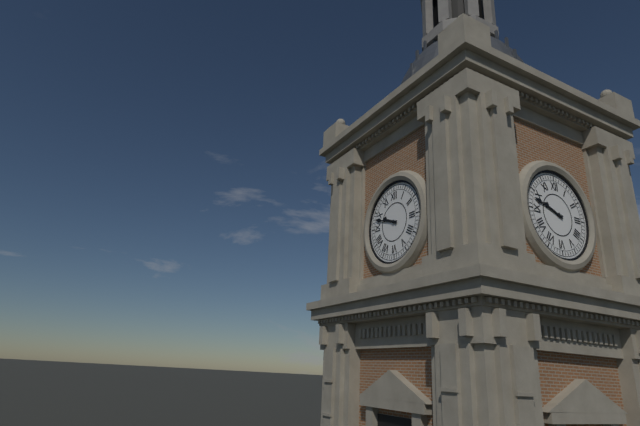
9:48
